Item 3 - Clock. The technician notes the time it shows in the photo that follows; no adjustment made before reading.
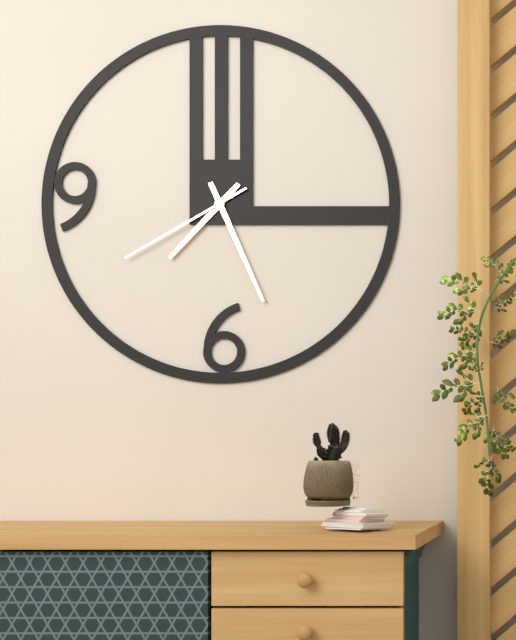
7:26:40
